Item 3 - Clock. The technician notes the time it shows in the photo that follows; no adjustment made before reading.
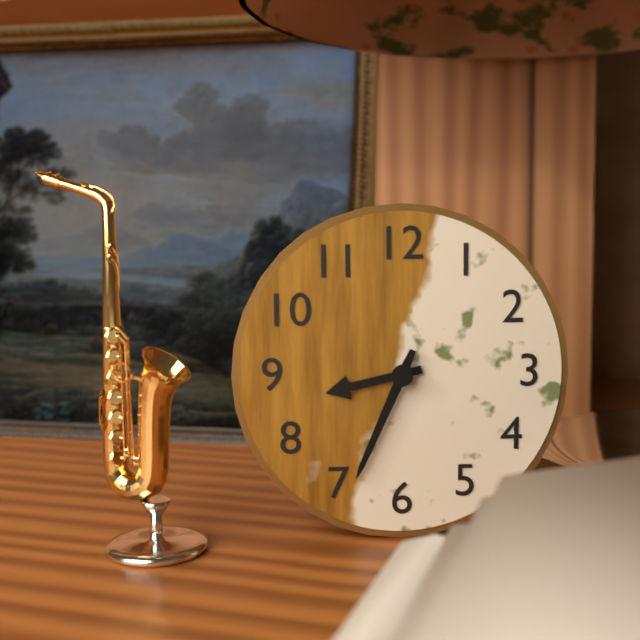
8:34
